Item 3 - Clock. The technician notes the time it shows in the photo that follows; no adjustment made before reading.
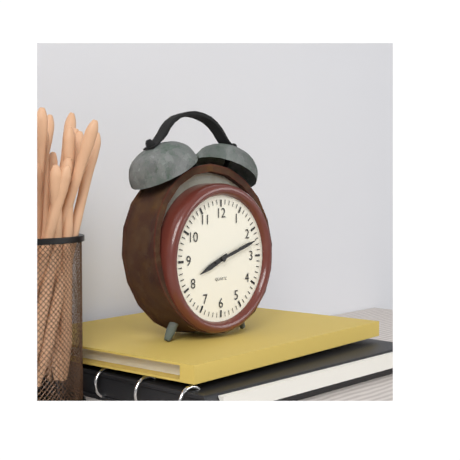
8:12
